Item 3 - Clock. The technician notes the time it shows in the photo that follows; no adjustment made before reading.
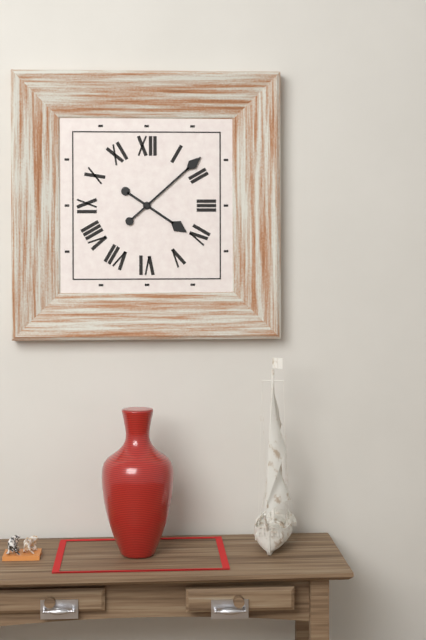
4:08
